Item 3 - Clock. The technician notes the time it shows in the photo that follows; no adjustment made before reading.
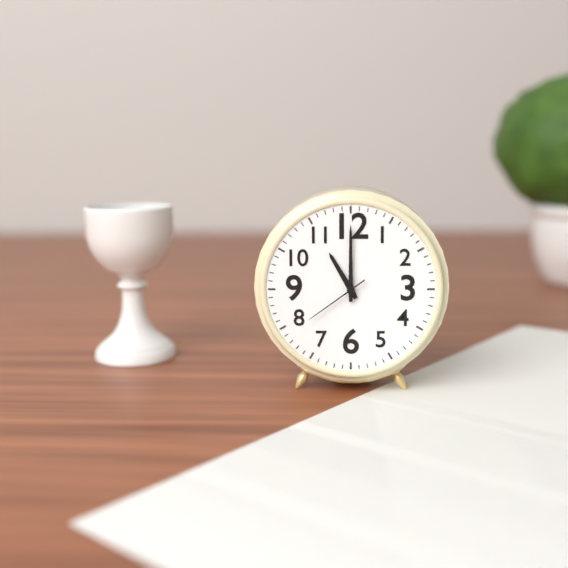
11:00:39
